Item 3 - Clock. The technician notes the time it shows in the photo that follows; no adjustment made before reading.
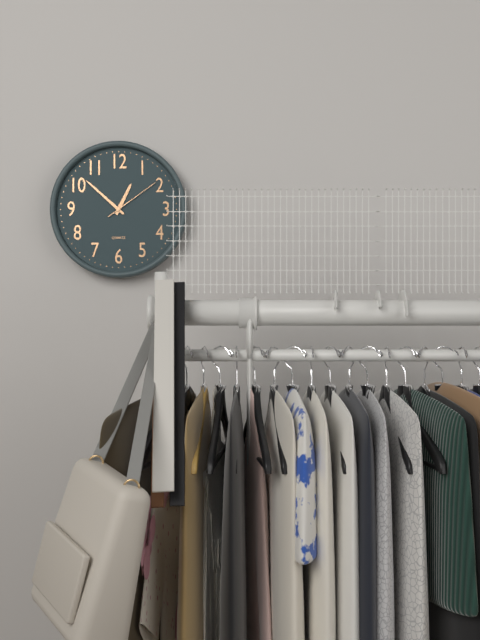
12:52:09
